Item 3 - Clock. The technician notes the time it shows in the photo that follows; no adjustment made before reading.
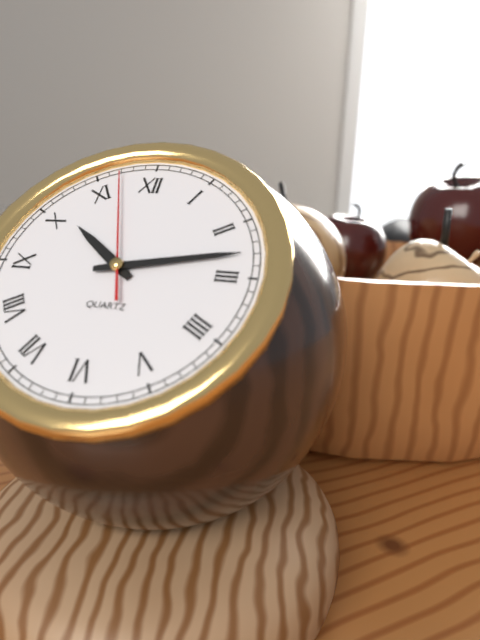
10:13:57
